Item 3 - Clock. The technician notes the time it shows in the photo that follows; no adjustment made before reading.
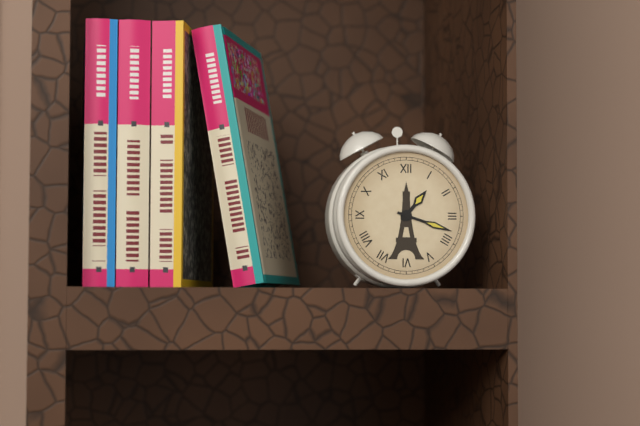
1:18
